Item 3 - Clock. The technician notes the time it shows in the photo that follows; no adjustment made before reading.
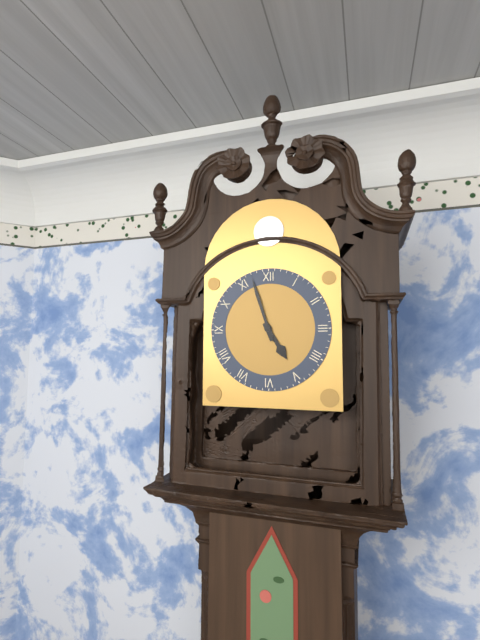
4:57
